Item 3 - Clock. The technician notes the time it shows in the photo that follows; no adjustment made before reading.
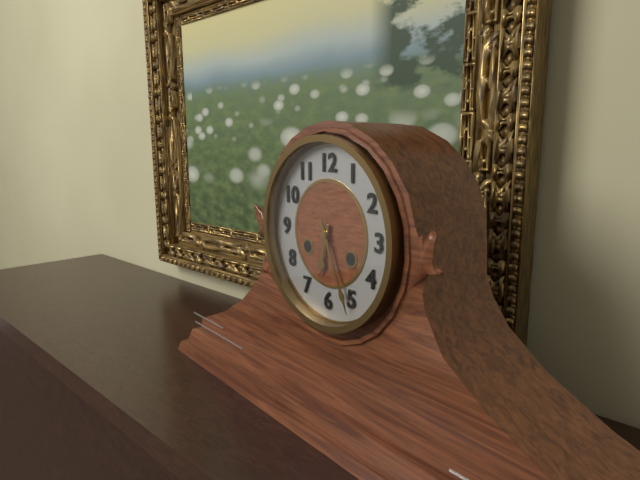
6:26
